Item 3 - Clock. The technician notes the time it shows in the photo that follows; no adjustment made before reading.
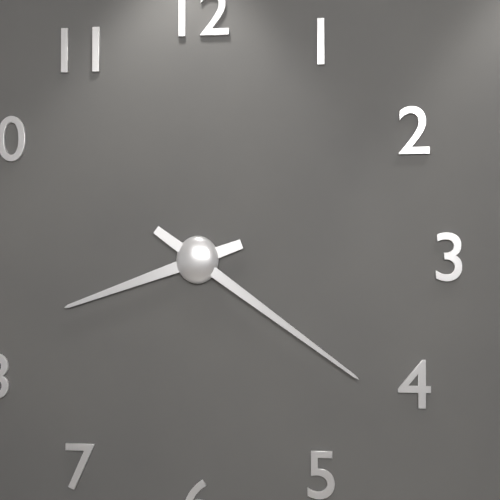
8:21
